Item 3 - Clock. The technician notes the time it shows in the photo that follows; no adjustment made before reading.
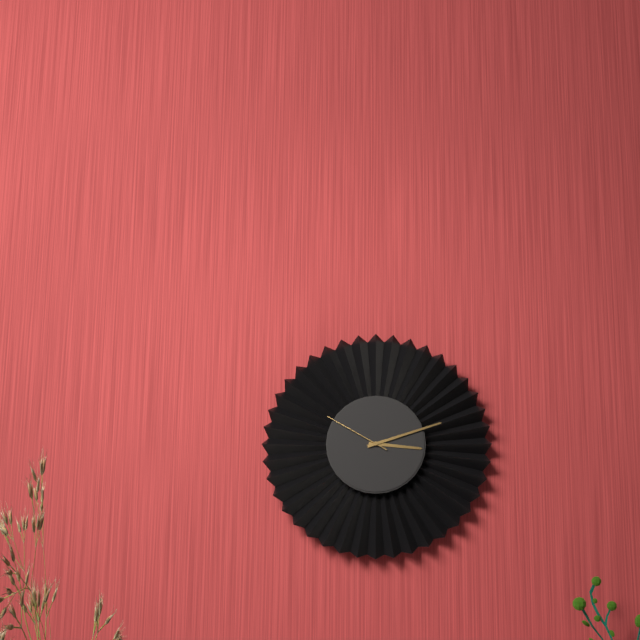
3:12:50
